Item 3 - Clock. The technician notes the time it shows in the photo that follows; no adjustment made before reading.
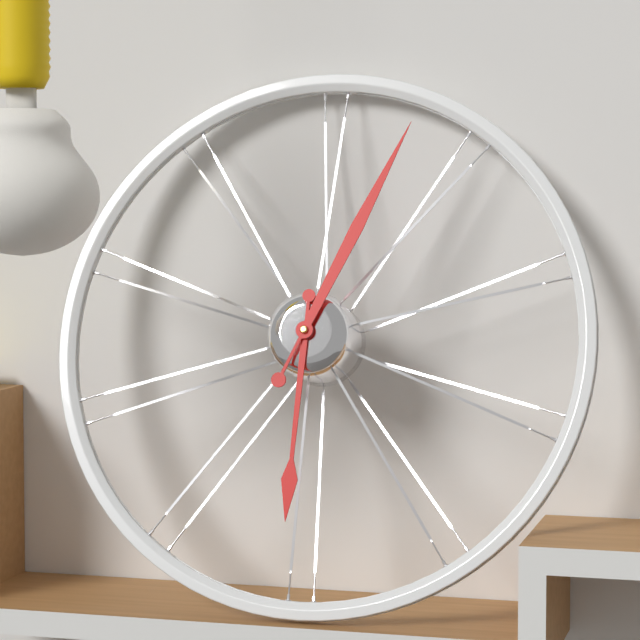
6:04
